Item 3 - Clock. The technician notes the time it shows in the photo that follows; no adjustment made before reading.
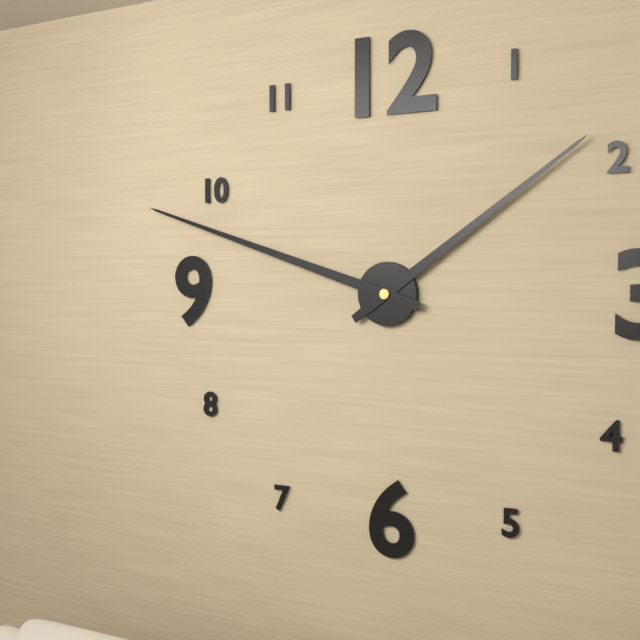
1:48
